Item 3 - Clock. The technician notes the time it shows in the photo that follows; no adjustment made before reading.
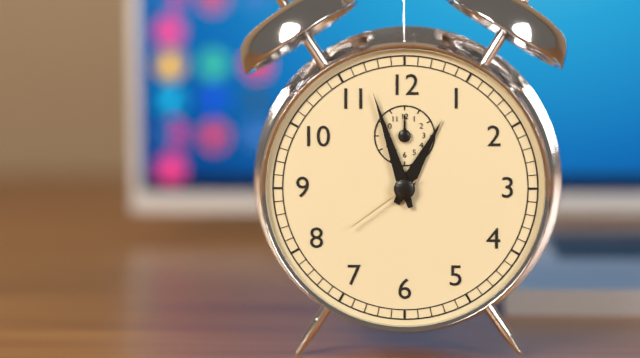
12:57:39
